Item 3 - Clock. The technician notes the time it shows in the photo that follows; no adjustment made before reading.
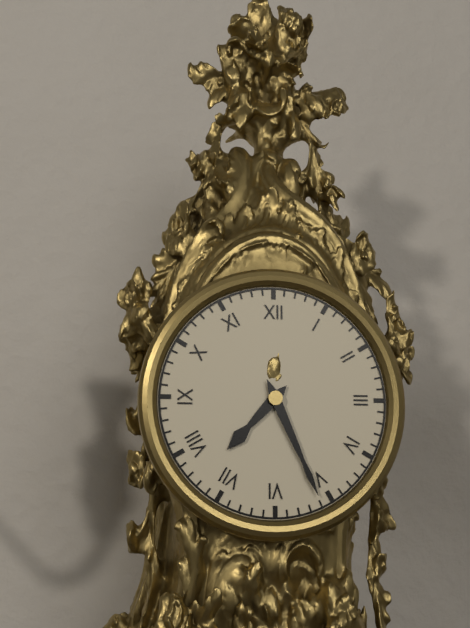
7:26
